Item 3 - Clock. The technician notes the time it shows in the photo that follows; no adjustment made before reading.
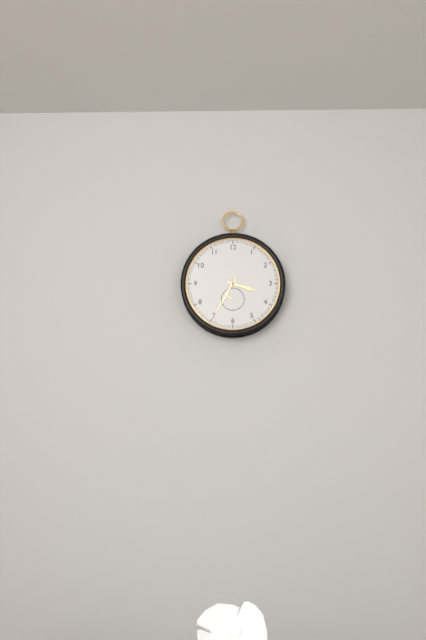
3:35
